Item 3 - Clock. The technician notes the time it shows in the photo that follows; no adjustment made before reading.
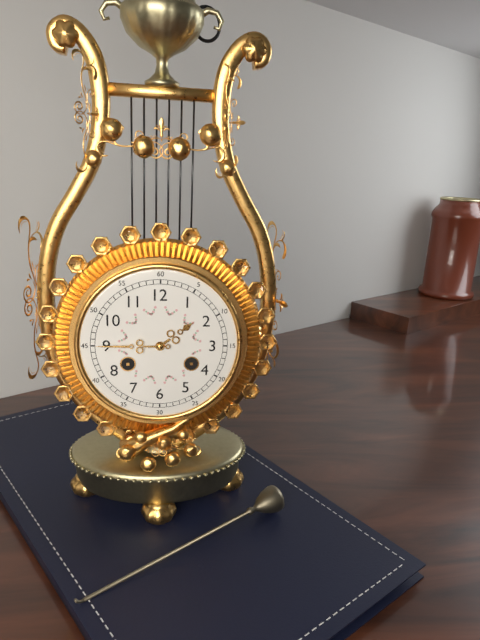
1:45
